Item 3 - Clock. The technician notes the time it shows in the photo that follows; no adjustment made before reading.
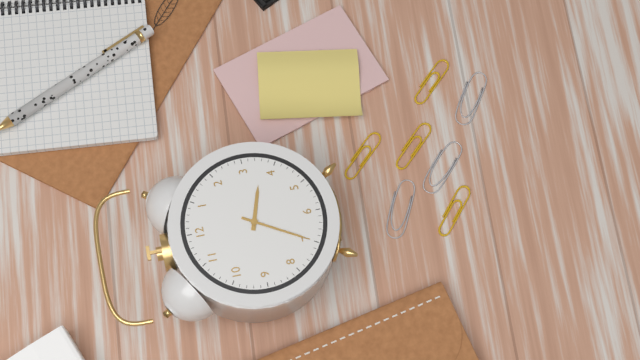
3:35
